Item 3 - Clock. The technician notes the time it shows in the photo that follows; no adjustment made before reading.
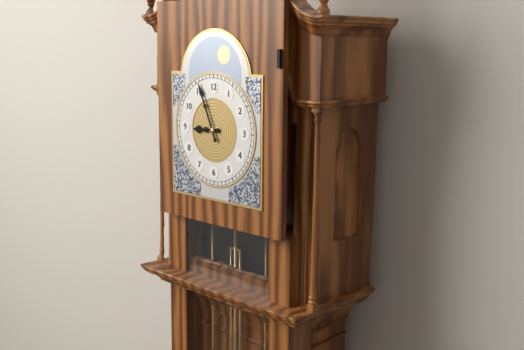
8:56
